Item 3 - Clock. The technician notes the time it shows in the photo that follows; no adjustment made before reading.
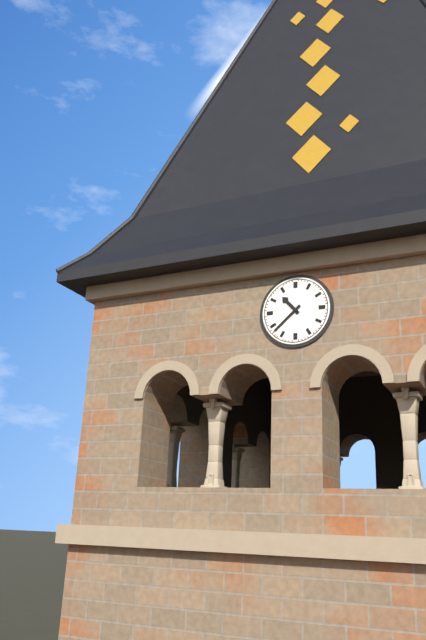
10:38
